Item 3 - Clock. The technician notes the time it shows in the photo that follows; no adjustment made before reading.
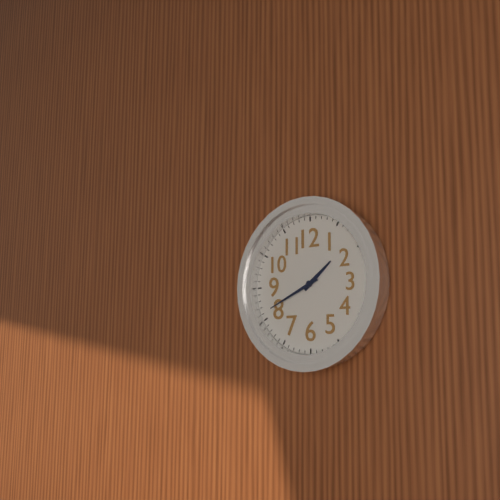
1:41
